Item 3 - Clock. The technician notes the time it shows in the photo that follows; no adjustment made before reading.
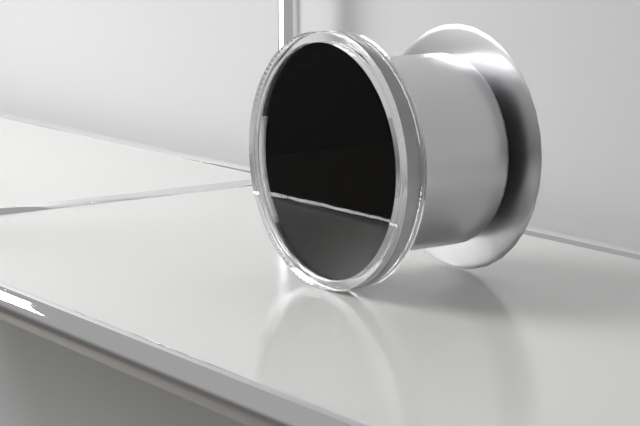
4:35:56
